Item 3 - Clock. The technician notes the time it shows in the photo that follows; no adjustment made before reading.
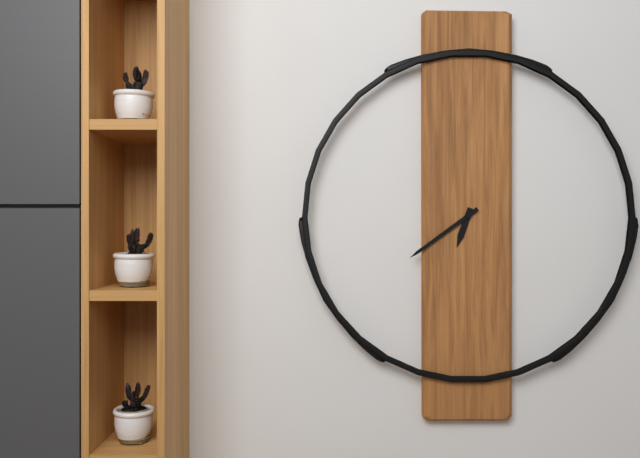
6:39
